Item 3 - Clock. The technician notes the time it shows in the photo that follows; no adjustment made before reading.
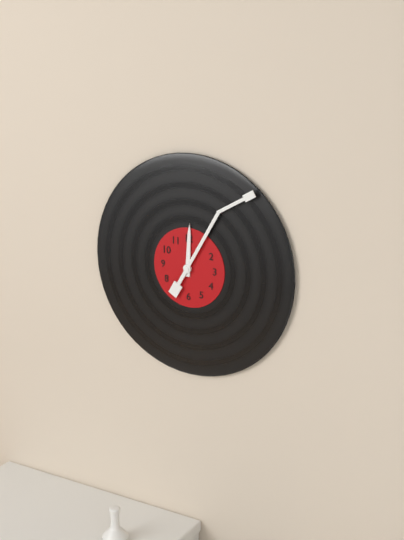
12:05
